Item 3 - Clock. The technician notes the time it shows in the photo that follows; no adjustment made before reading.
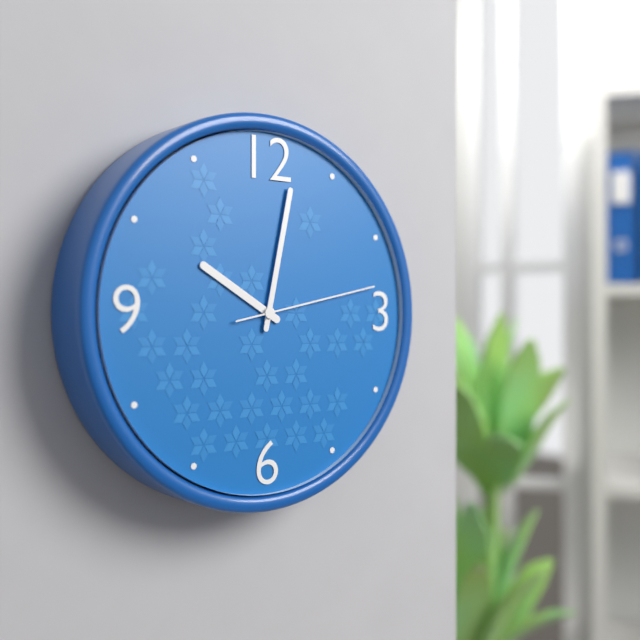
10:02:13
